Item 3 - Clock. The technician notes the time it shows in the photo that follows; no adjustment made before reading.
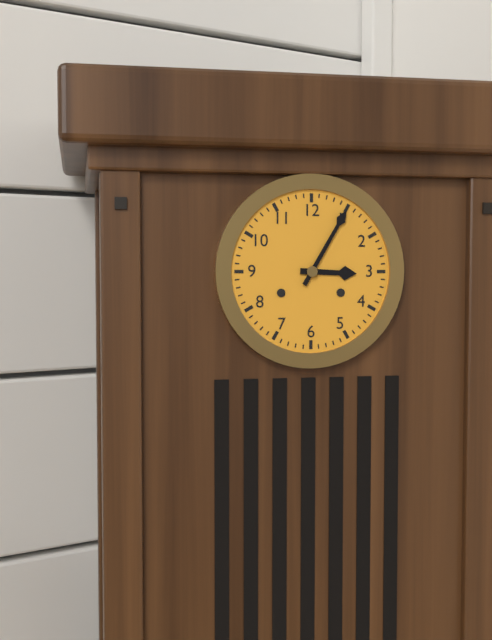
3:05
